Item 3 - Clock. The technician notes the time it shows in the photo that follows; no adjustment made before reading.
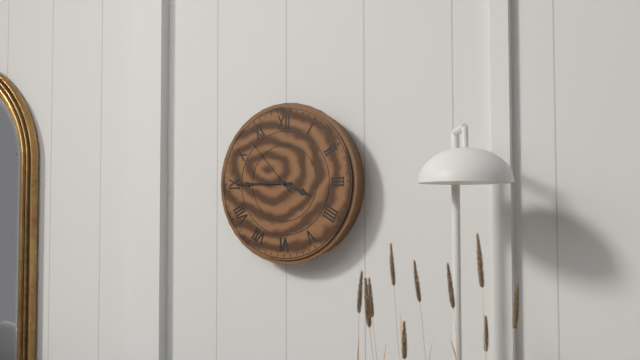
3:45:53
